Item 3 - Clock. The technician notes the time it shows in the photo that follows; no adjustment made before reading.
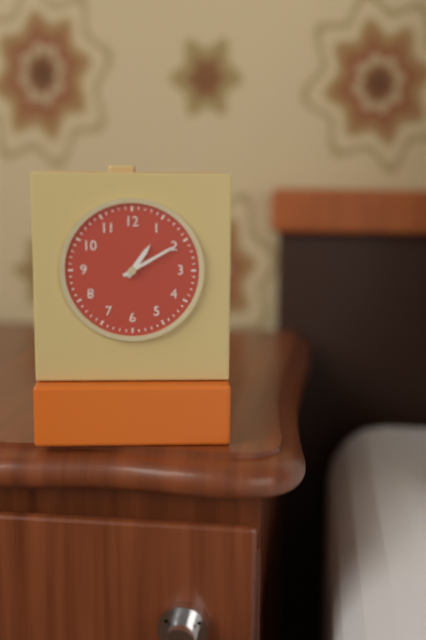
1:10
